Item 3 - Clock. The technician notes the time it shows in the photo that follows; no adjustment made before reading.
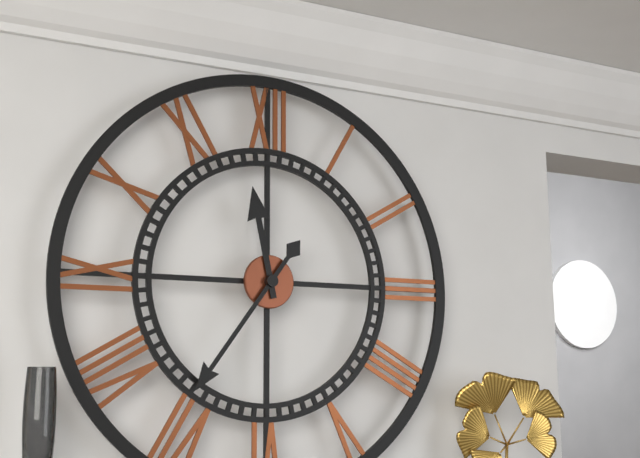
11:36
